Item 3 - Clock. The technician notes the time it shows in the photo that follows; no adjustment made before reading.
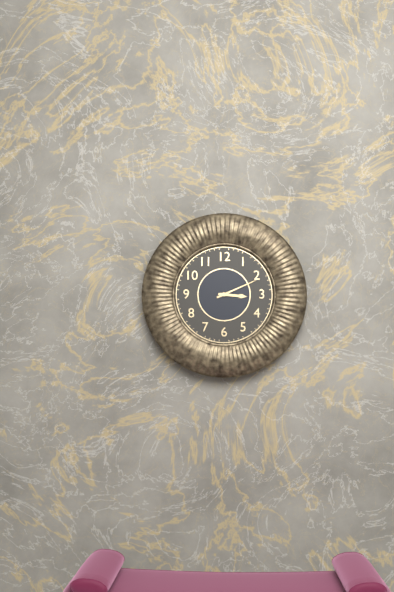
3:11
